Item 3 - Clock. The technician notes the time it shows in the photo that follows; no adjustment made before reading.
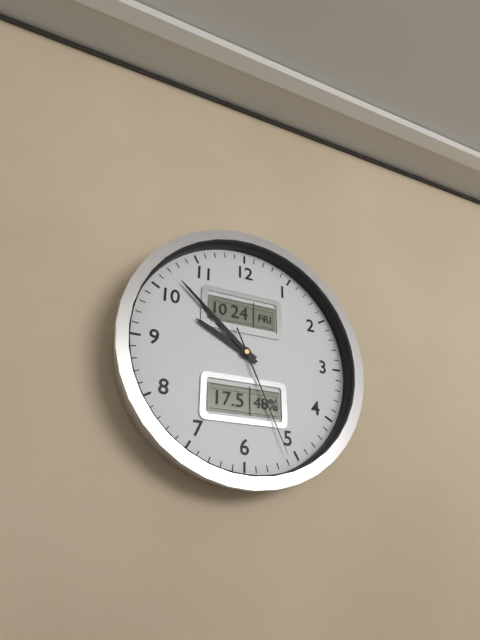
9:52:26
